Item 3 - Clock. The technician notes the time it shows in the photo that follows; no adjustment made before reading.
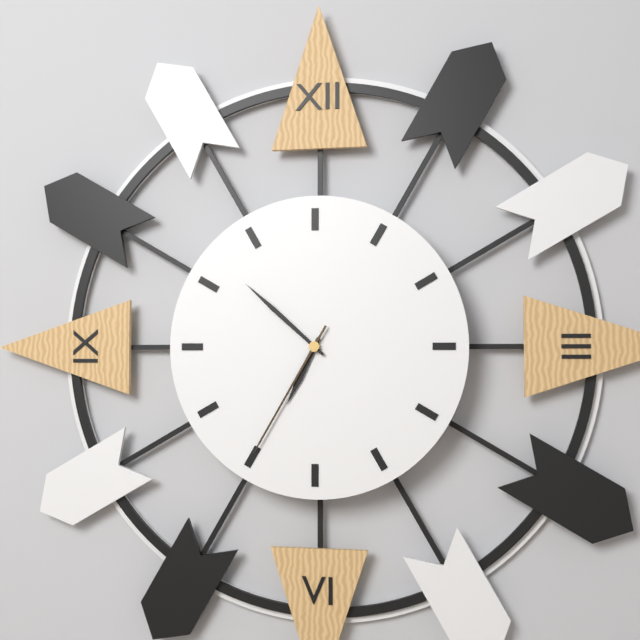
6:52:35
